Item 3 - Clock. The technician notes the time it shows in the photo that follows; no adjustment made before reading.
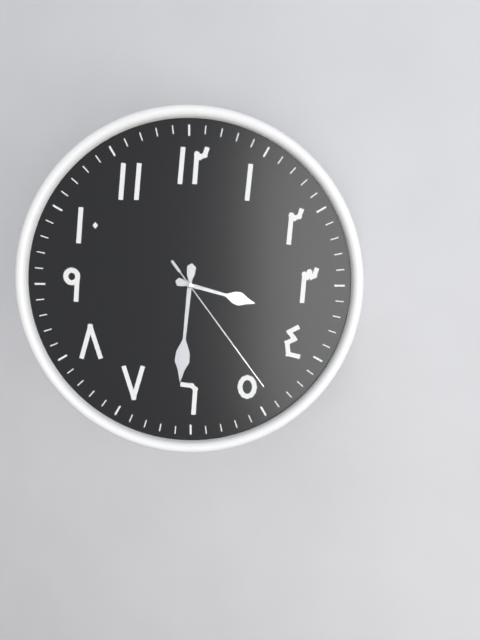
3:31:24
